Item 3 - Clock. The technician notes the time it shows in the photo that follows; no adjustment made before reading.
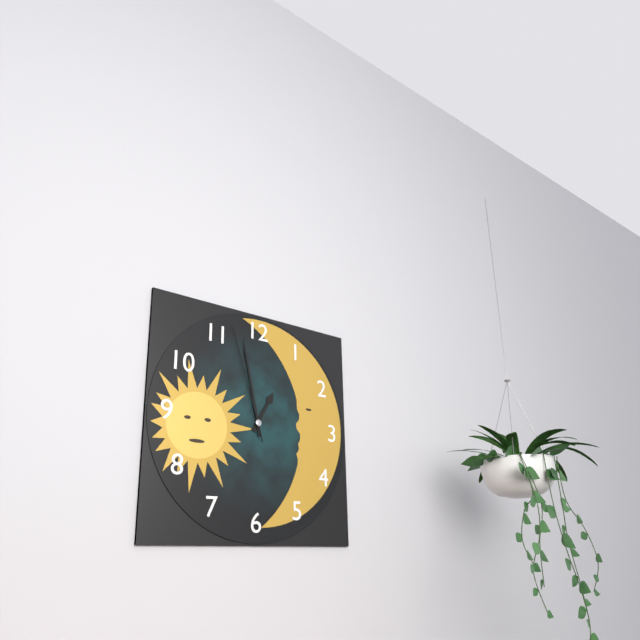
12:58:57
